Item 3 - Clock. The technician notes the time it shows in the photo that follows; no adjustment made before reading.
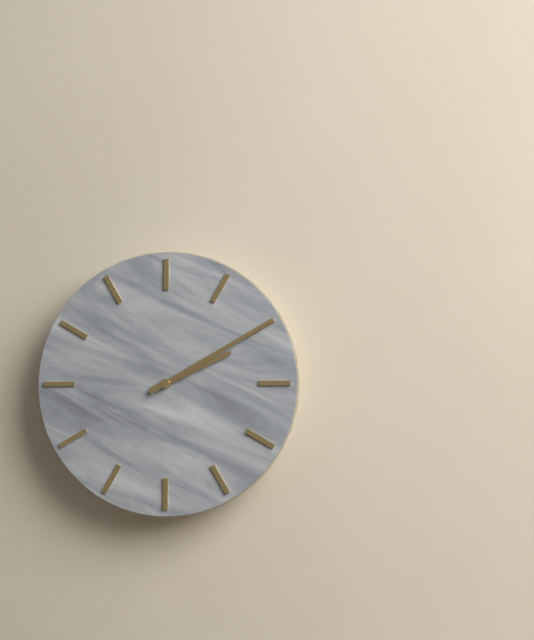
2:10
